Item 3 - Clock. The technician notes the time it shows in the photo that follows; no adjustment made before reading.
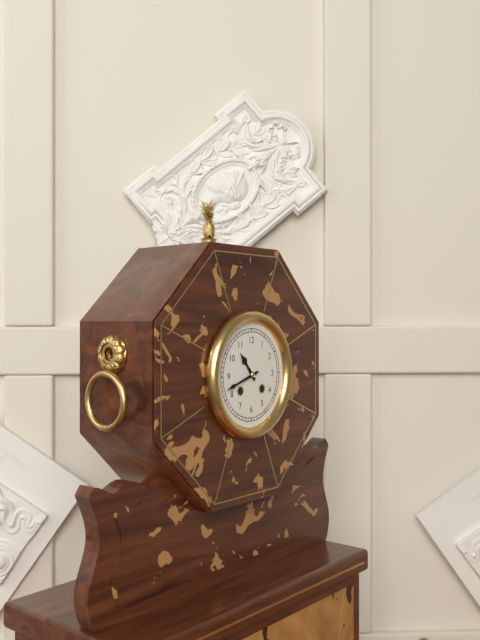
10:42
